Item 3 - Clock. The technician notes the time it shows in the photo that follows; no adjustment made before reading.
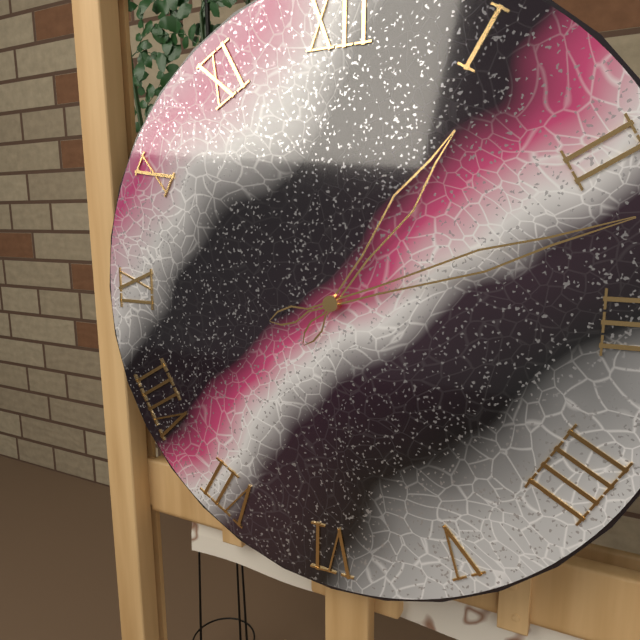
1:12
